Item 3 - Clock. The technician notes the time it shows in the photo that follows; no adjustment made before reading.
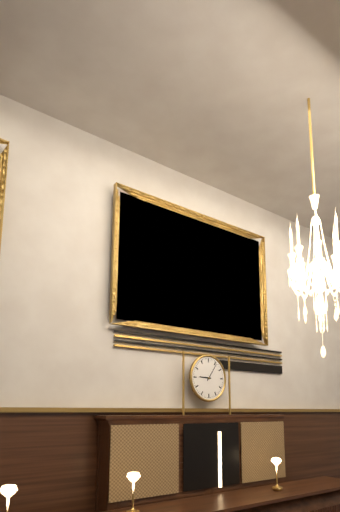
9:06
